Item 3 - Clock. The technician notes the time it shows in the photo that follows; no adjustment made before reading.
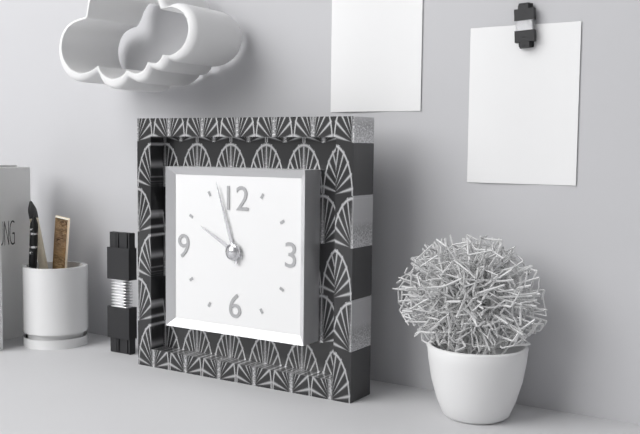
9:57
